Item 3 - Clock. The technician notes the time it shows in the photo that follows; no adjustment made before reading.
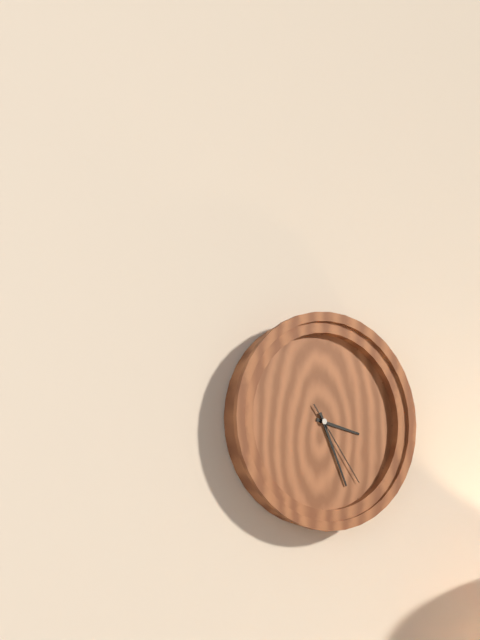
3:26:24
